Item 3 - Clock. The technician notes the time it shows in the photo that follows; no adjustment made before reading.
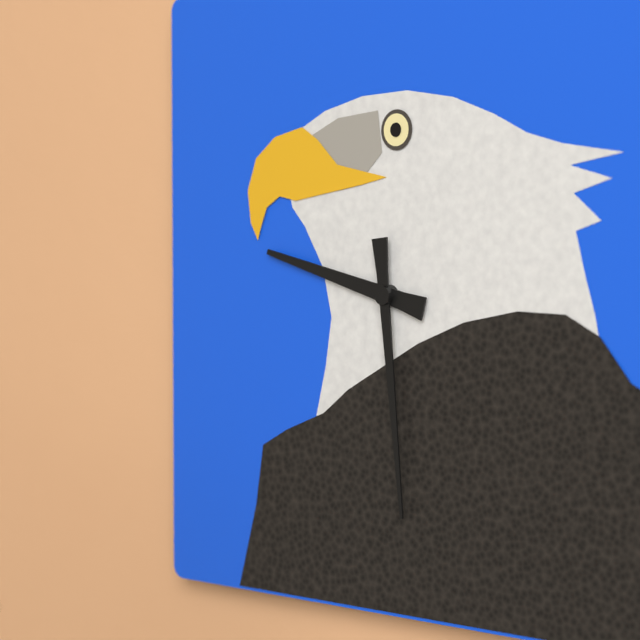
9:29
